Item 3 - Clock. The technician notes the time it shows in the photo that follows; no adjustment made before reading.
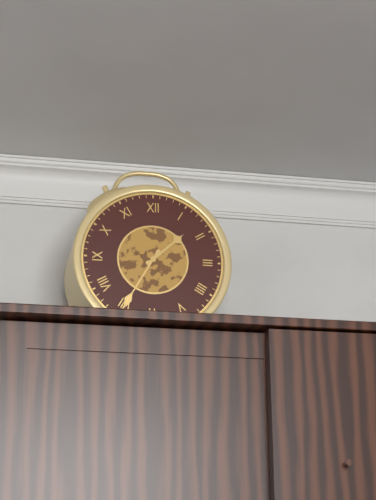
1:35
